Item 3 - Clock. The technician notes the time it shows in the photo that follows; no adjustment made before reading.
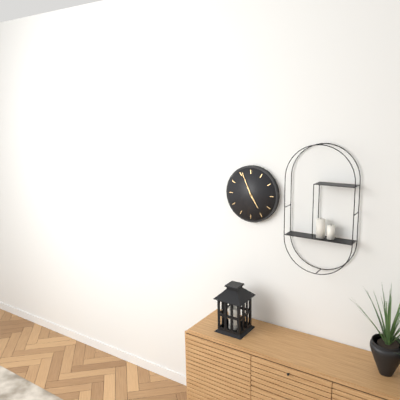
4:56
